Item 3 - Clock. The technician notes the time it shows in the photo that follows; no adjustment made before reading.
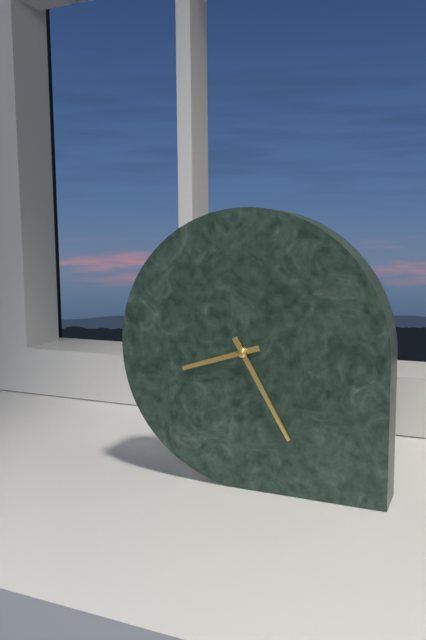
8:25
